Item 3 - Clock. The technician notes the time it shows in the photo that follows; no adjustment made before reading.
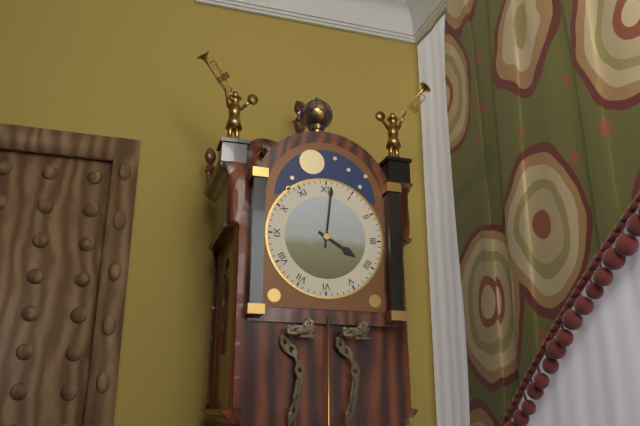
4:01
